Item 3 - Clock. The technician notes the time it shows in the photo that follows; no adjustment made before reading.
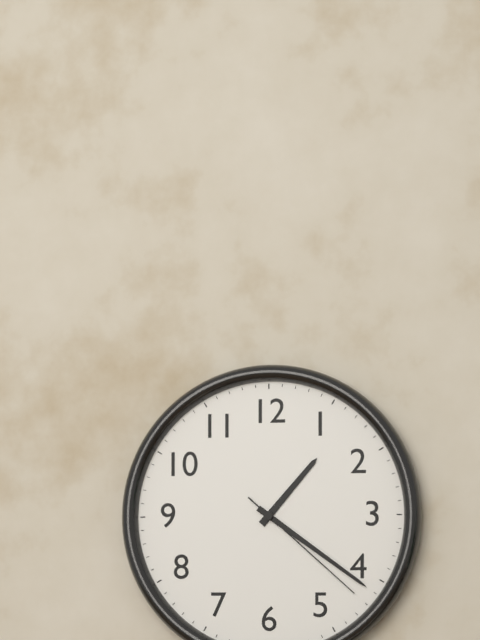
1:21:22
